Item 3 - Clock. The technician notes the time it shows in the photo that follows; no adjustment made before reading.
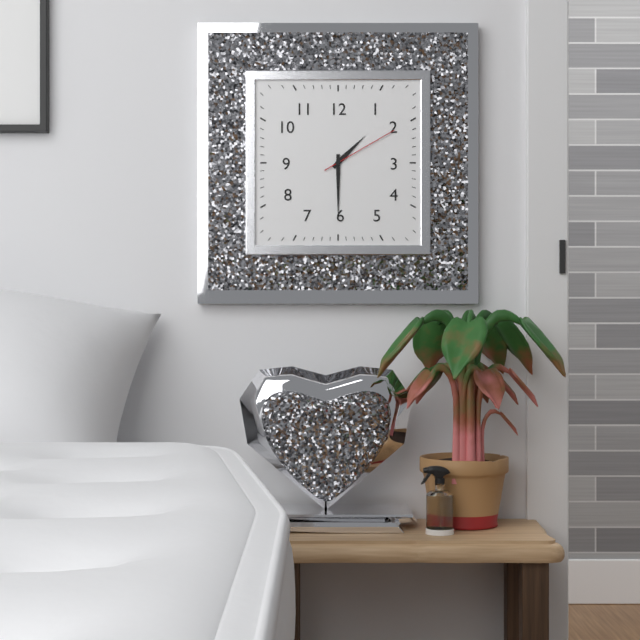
1:30:10
